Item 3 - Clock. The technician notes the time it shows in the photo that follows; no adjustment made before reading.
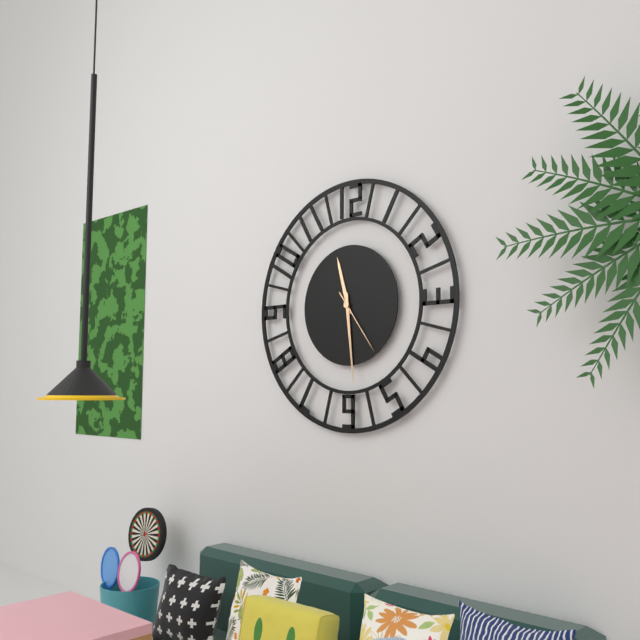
11:29:24
